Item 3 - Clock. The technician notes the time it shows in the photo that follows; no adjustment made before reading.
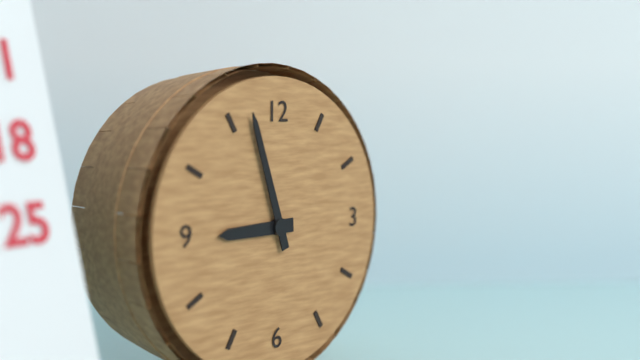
8:57
